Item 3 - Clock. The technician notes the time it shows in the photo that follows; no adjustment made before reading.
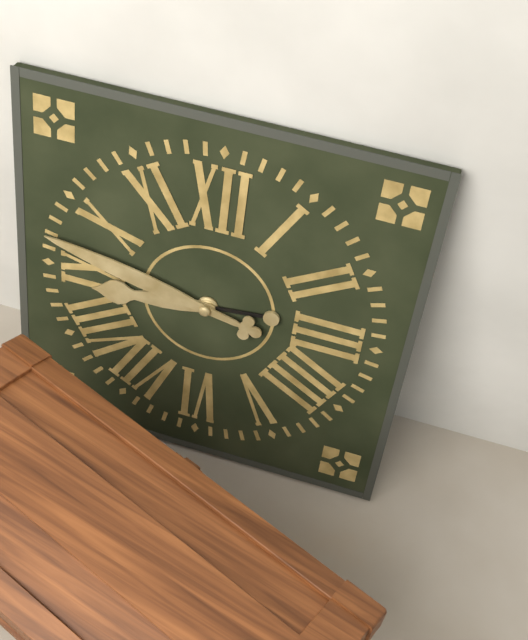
8:47
